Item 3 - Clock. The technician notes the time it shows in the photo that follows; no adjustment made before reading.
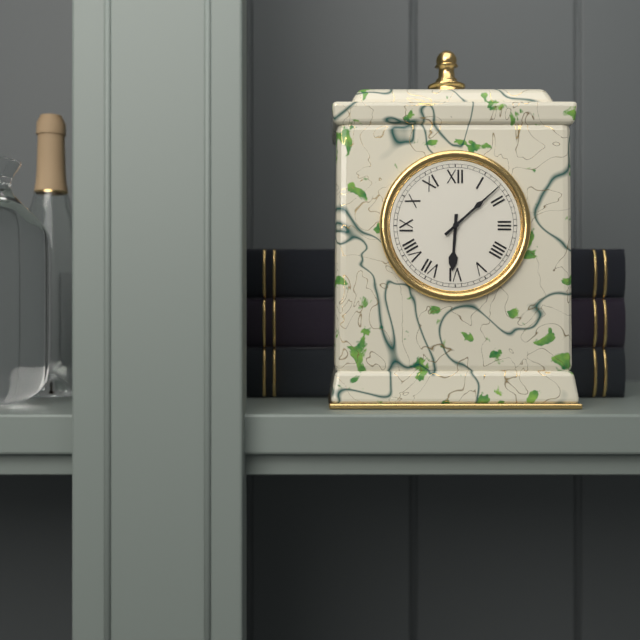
6:08
